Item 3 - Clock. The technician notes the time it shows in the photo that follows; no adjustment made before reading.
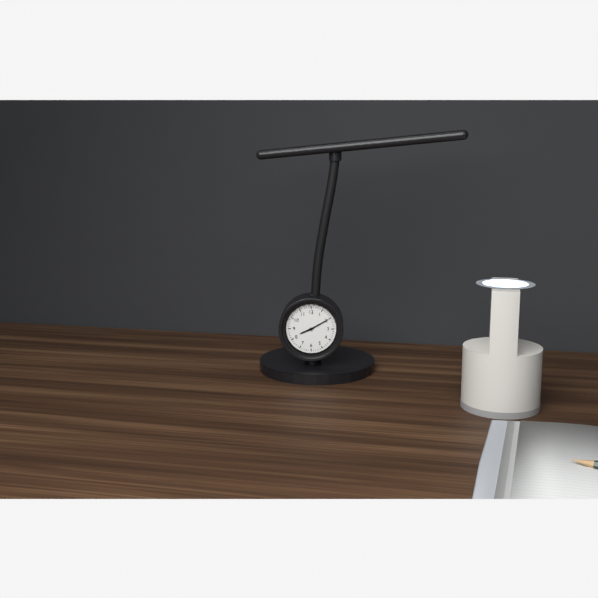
8:10
